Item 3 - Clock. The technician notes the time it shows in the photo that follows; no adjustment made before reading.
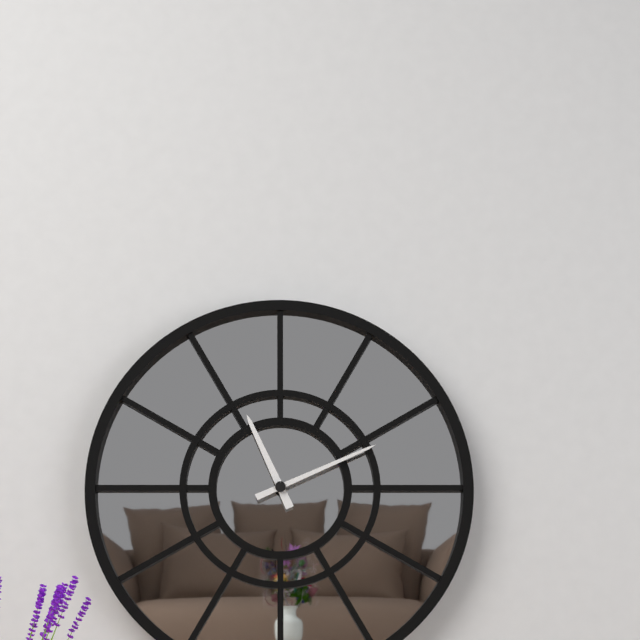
11:11
